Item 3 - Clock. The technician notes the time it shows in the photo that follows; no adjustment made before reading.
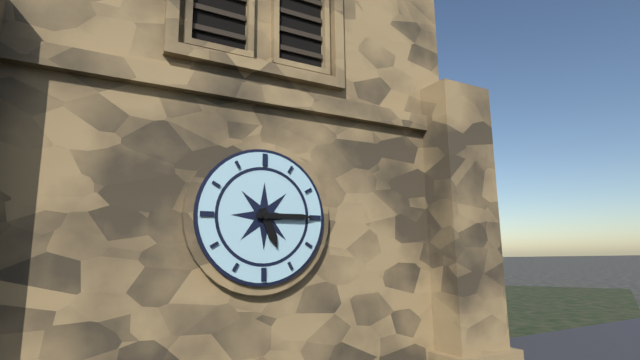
5:15
